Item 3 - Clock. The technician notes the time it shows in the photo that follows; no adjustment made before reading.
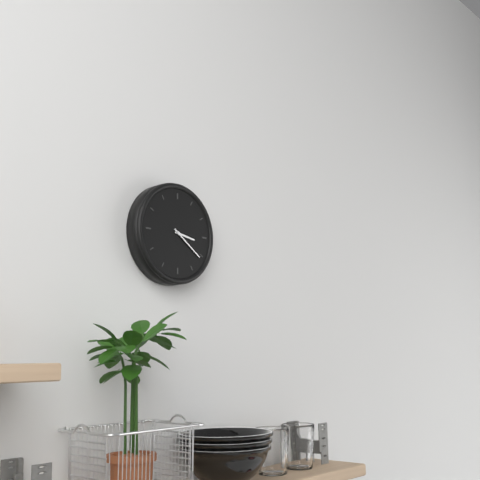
3:21
